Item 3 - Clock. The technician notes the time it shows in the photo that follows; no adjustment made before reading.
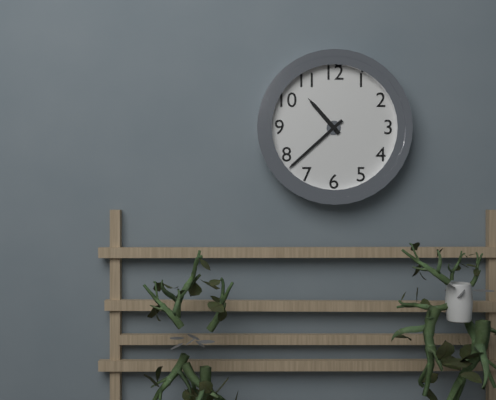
10:38
